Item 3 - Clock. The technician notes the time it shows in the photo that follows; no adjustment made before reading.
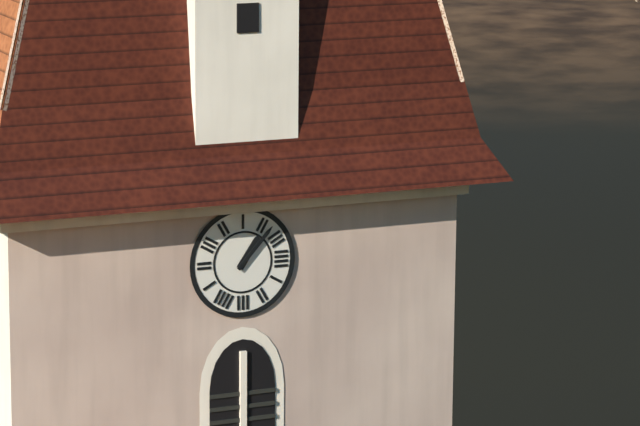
1:07
